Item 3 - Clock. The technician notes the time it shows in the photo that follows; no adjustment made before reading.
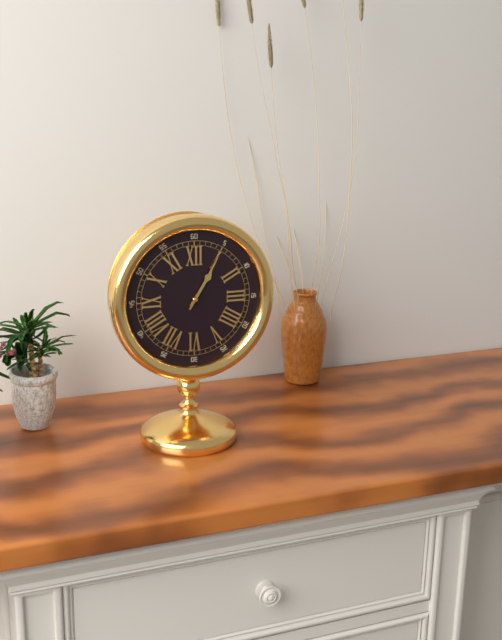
1:05
